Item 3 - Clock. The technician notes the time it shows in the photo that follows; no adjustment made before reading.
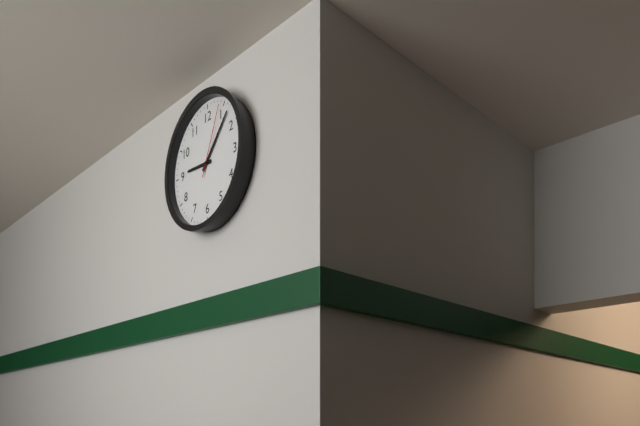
9:07:04
